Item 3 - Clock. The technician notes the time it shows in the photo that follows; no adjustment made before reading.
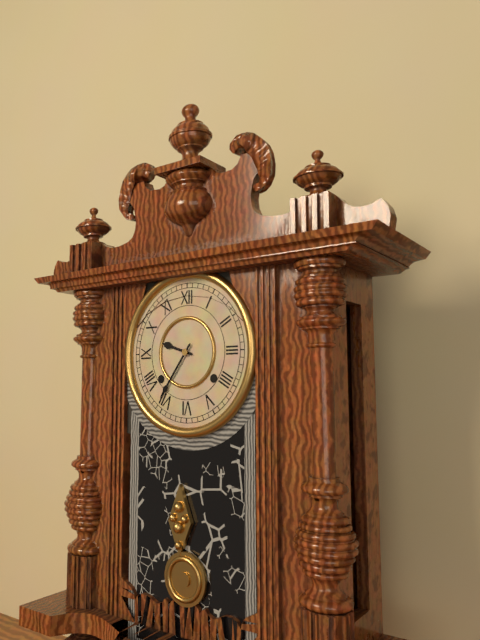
9:36
